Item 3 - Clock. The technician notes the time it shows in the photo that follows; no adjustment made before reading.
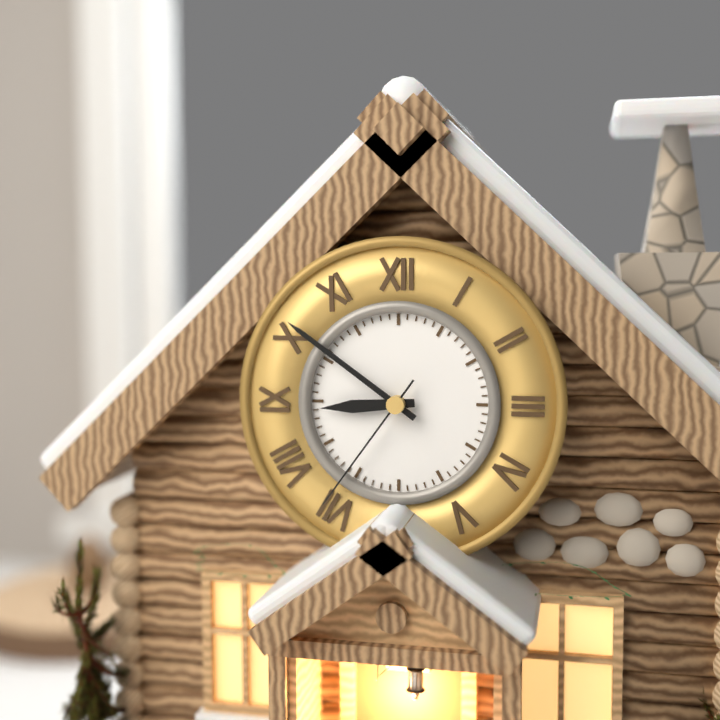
8:51:36
